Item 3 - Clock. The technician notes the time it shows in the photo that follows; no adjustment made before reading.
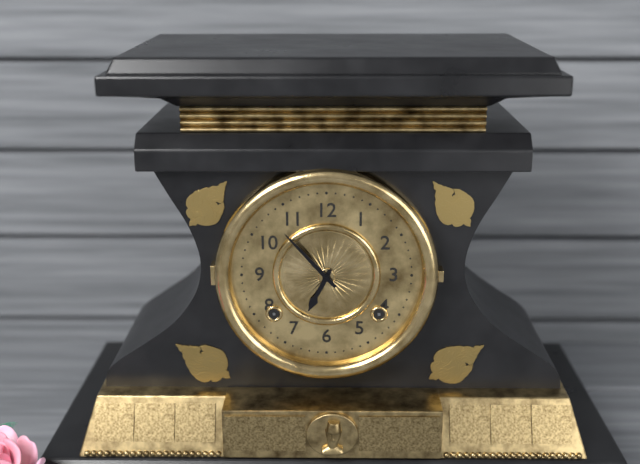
6:53
